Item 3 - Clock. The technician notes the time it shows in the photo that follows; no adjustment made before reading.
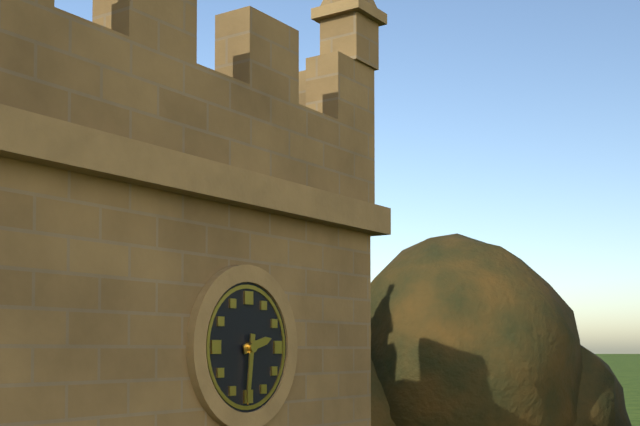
2:31
